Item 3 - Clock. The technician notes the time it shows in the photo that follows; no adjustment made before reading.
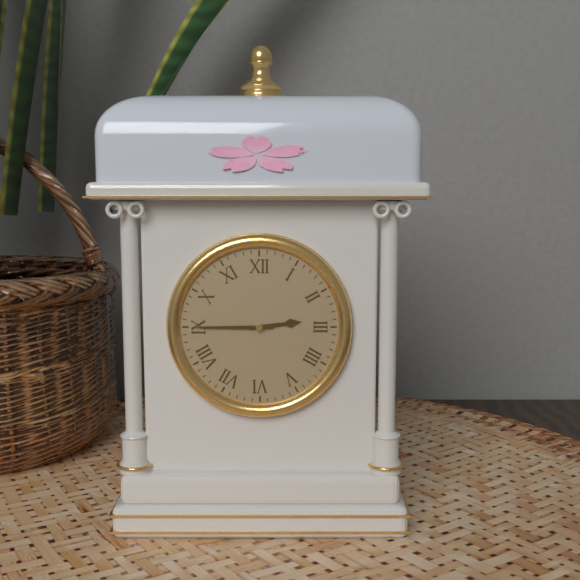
2:45
